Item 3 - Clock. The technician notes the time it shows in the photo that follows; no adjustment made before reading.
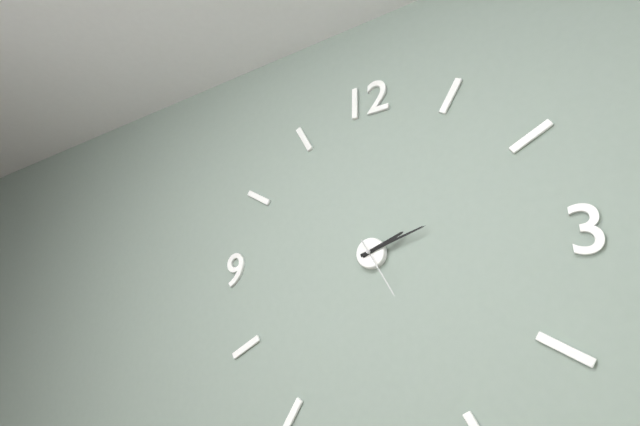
2:12:25
